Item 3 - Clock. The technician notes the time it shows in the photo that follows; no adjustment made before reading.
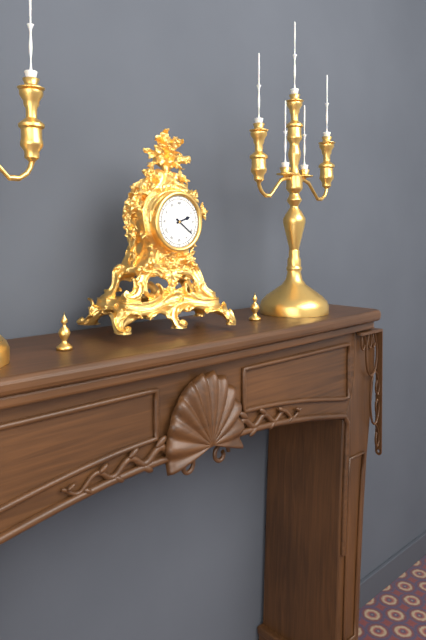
2:21
